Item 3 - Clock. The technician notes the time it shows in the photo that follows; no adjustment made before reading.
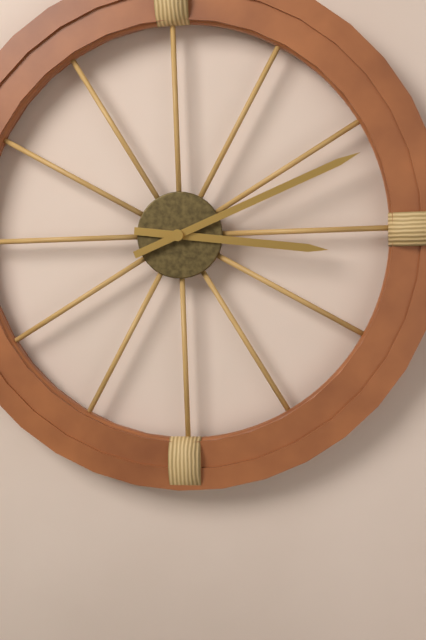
3:11
